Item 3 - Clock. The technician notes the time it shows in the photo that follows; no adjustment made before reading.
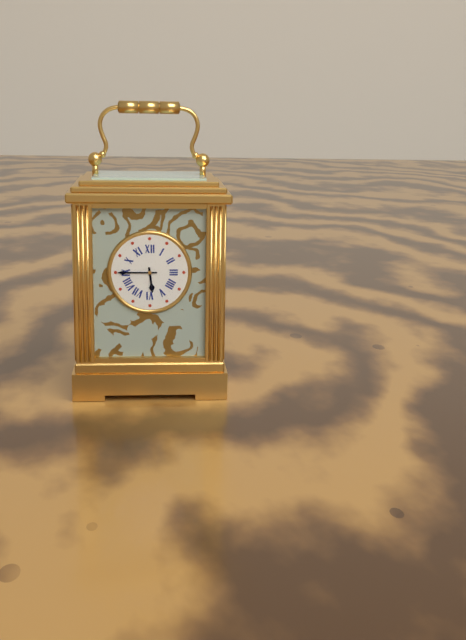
5:45
